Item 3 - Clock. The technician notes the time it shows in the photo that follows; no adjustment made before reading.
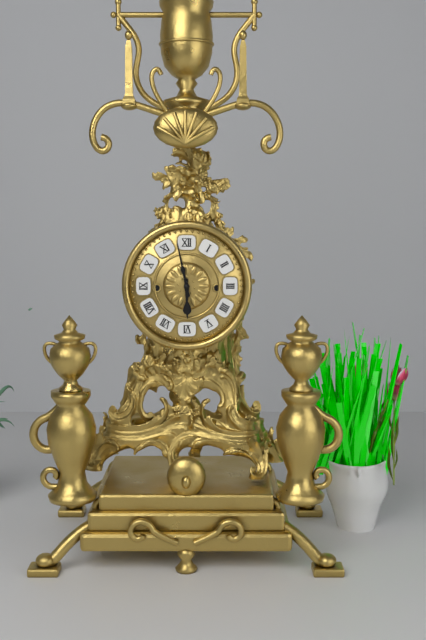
5:58
